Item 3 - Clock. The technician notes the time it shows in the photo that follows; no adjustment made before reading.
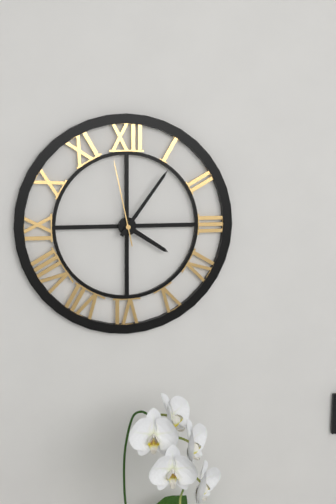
4:06:58
